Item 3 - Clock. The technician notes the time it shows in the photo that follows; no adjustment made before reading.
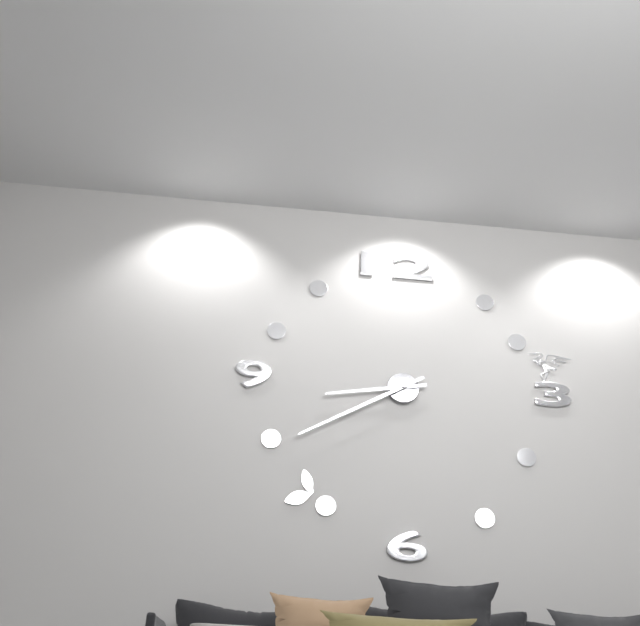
8:40
